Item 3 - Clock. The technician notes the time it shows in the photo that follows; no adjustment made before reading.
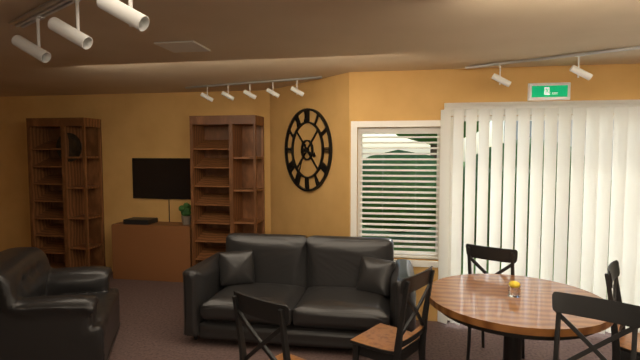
3:34
